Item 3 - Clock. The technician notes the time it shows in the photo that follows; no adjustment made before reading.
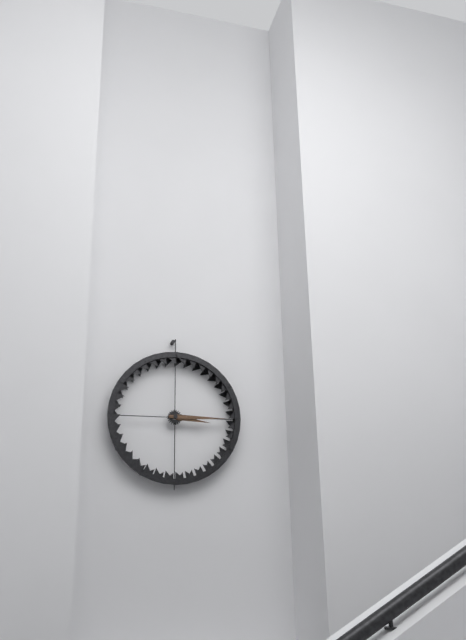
3:15
